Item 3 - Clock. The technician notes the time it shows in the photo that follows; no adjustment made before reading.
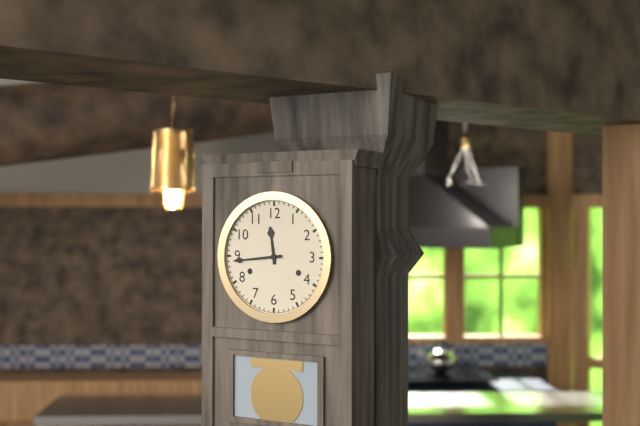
11:44
